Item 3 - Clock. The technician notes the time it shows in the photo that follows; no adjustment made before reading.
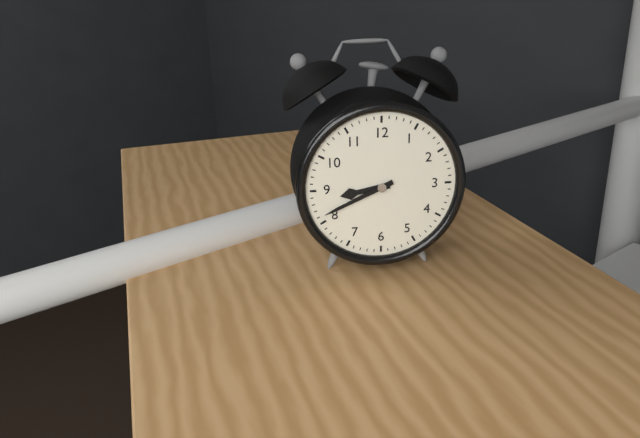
8:41
